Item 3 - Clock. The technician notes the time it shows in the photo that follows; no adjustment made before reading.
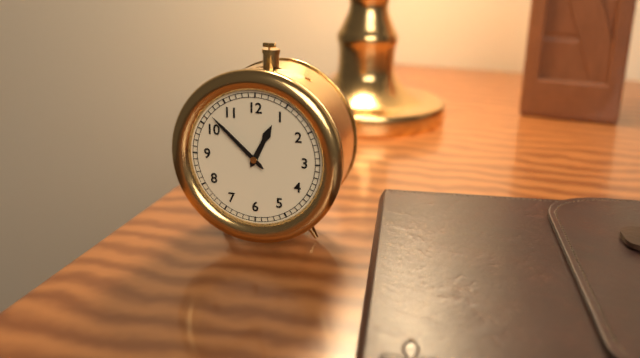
12:52
